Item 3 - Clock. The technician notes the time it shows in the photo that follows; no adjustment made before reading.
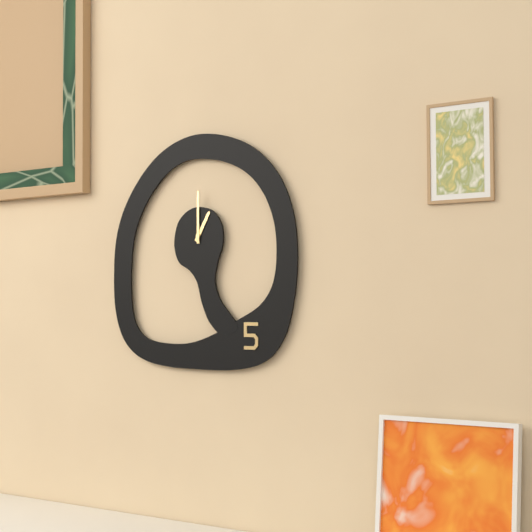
1:00
